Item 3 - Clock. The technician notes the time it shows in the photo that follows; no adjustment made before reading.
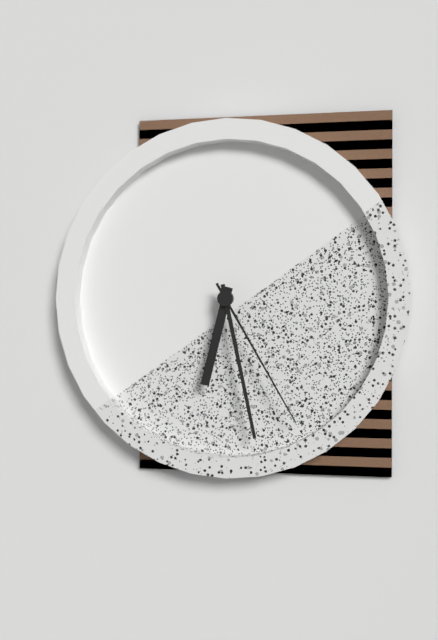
6:28:25
